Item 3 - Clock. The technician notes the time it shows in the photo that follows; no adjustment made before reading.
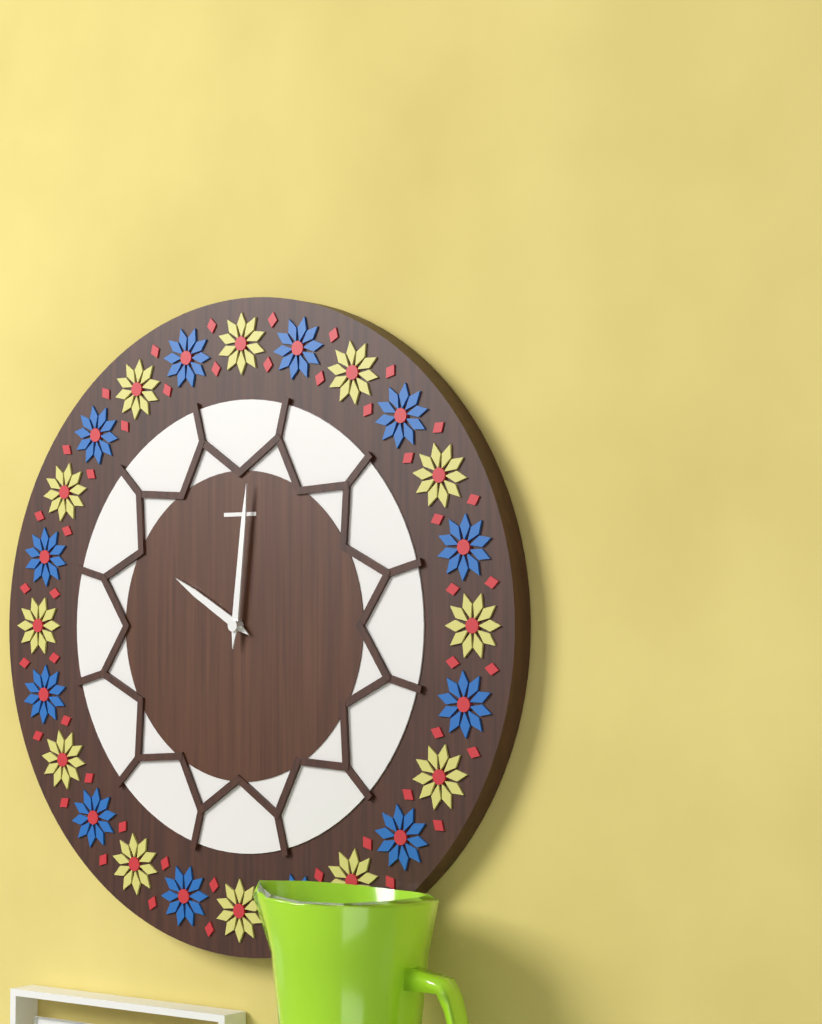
10:01
